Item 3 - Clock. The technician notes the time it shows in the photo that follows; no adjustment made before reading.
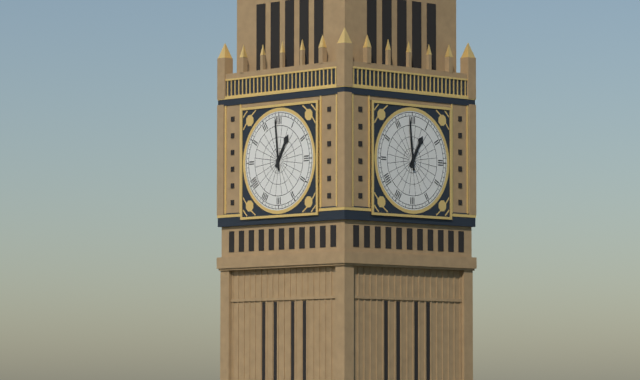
12:59
